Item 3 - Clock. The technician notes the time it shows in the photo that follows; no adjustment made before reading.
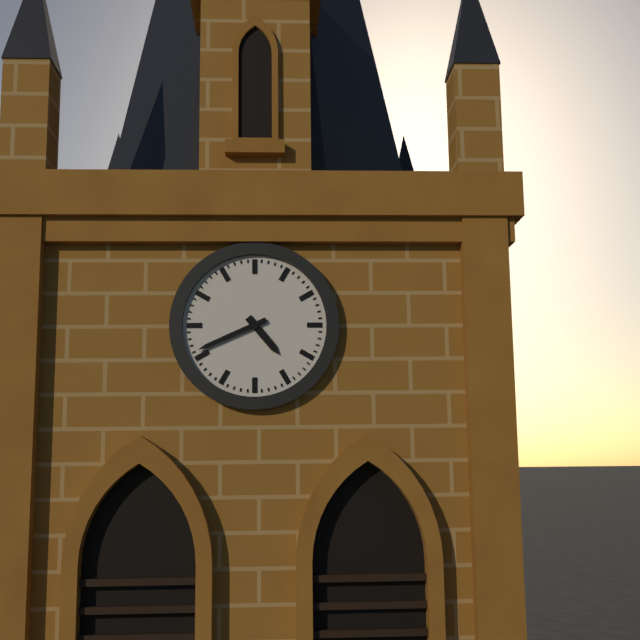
4:41
